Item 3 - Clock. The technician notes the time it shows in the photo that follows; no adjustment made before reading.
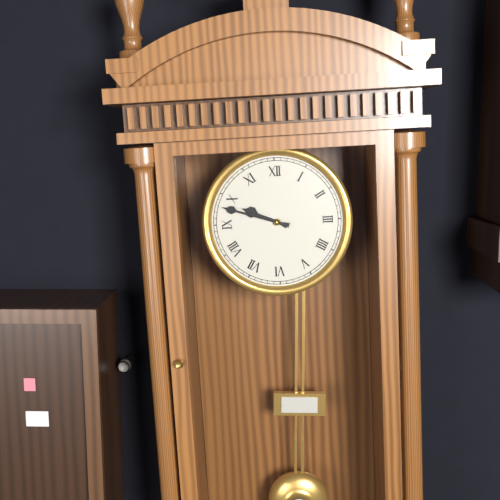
9:48
